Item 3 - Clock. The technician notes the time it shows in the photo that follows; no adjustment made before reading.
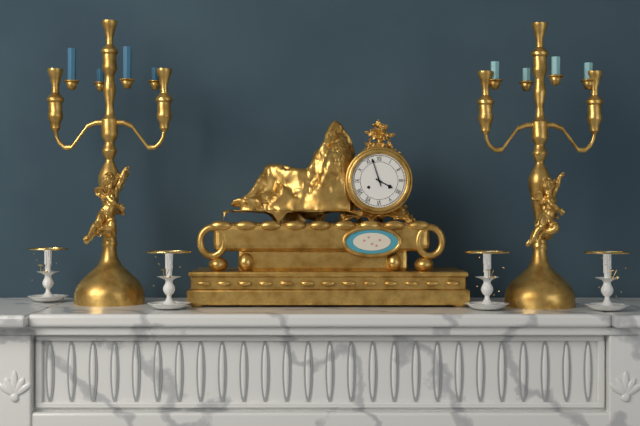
3:57
